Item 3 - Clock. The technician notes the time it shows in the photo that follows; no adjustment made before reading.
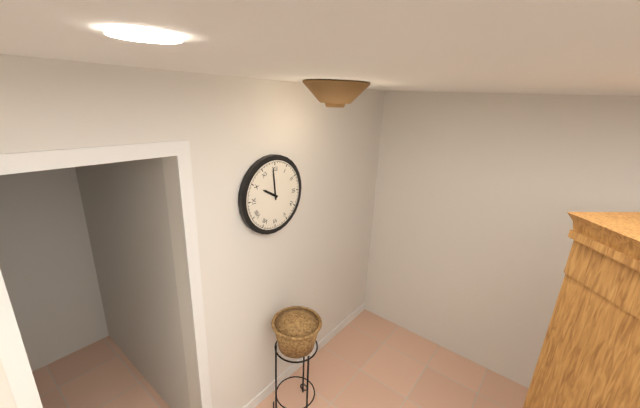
9:59
